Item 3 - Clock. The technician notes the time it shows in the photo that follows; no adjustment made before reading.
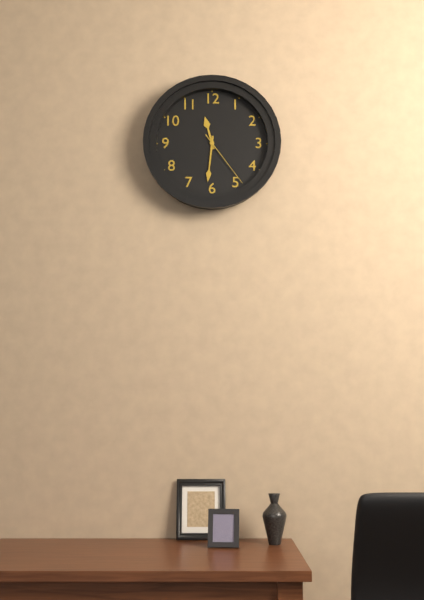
11:31:24
